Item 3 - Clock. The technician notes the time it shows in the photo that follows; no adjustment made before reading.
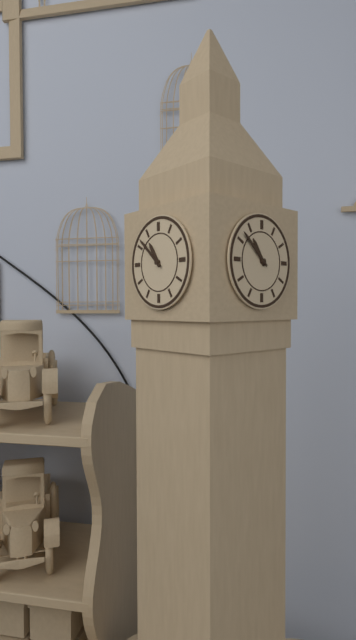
10:52
